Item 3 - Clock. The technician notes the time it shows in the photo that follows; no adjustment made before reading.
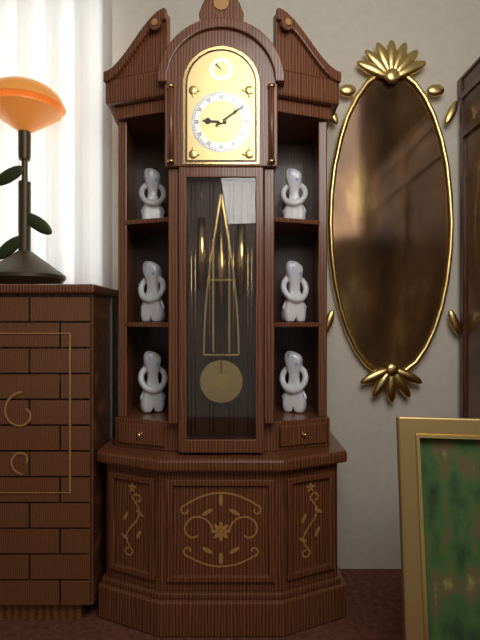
9:09
